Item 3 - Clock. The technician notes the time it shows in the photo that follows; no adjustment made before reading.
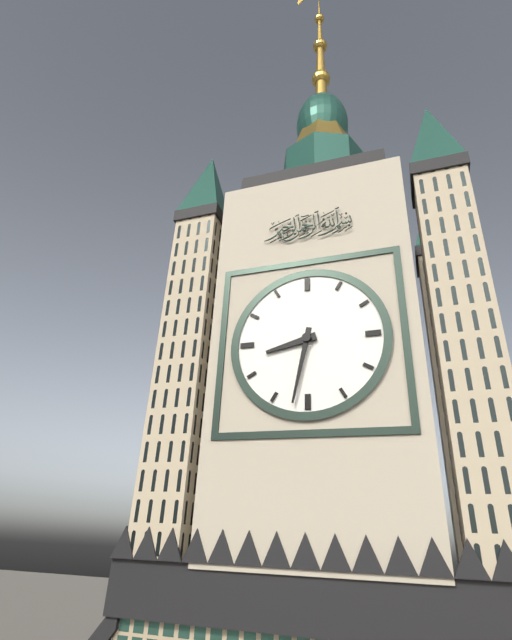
8:32
